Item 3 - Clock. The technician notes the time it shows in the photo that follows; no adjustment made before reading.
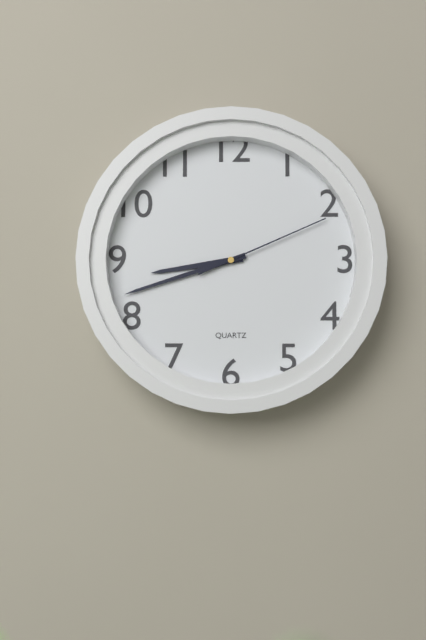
8:42:11
